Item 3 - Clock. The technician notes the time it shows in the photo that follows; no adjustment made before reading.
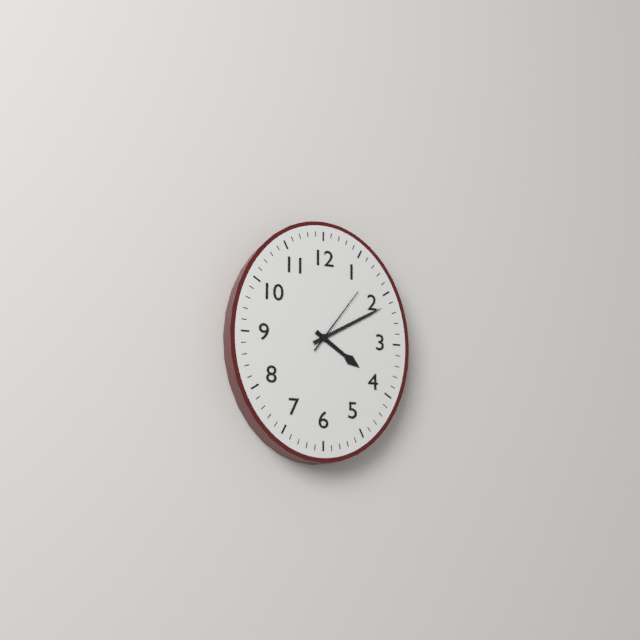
4:10:06
